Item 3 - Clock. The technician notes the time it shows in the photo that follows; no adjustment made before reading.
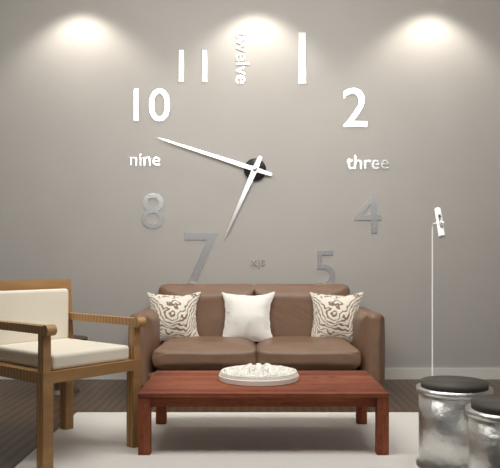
6:48
